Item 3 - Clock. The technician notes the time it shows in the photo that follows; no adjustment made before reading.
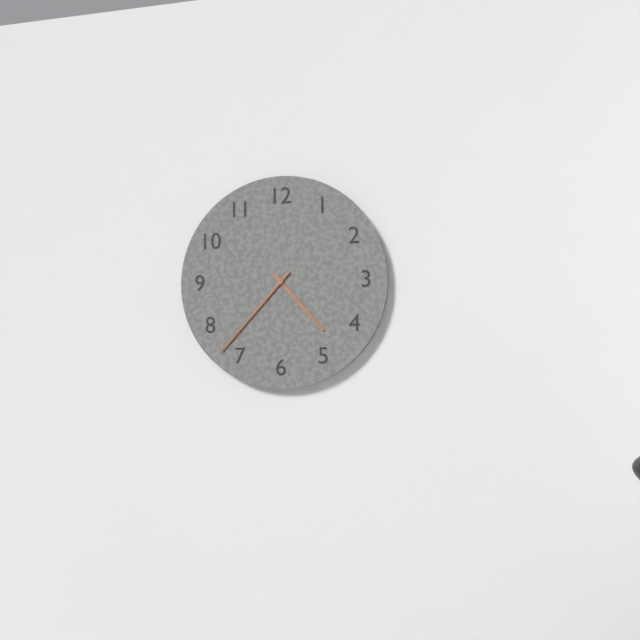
4:37
